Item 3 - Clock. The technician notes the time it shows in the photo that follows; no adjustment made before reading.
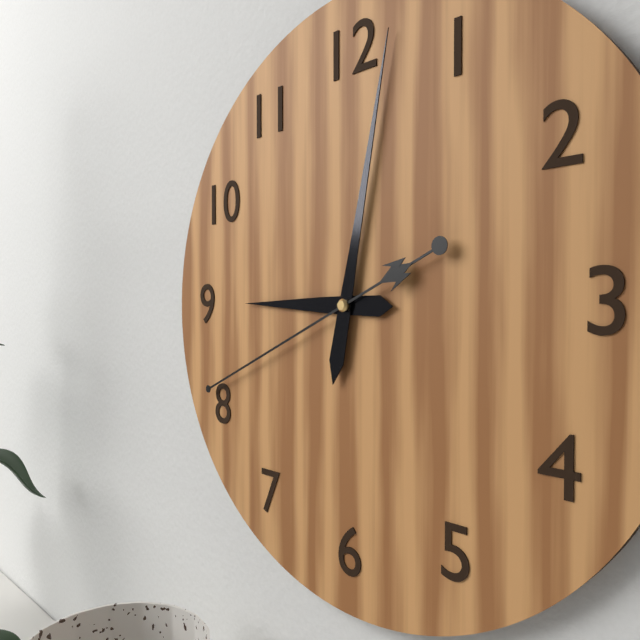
9:02:41
